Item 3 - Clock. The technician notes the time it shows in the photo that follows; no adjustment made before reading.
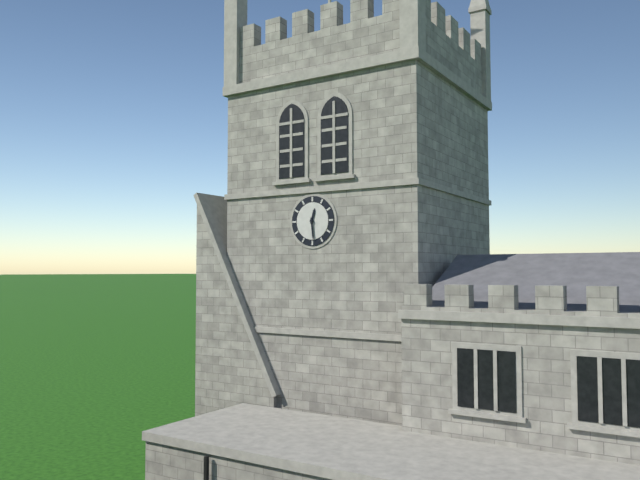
12:29
